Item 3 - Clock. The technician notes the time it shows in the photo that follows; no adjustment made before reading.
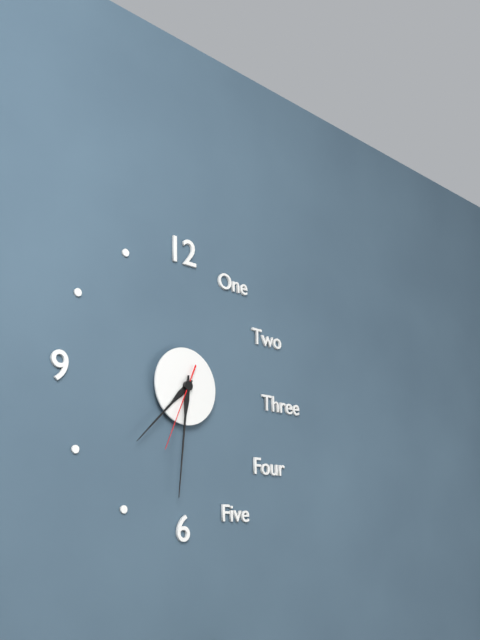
7:31:34
